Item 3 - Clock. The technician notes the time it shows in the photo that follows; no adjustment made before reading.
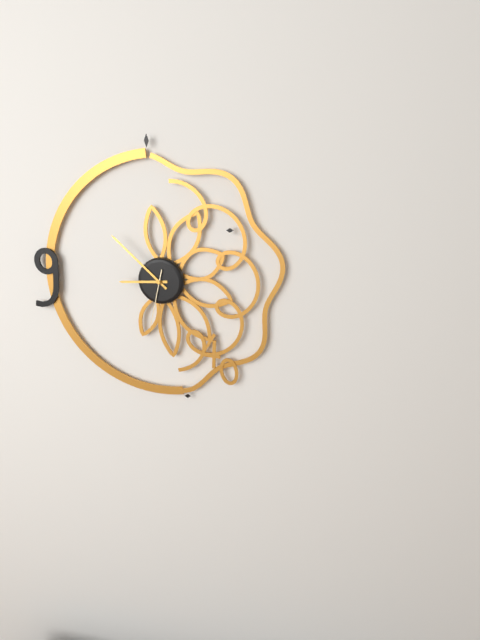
8:52:32
